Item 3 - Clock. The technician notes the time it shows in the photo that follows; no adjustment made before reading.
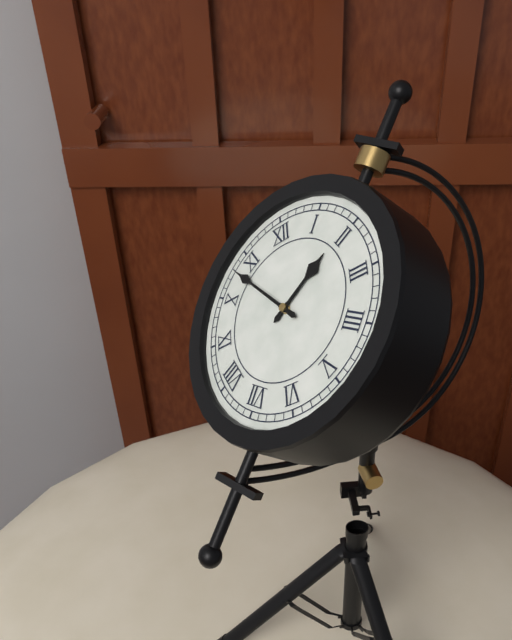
1:53
